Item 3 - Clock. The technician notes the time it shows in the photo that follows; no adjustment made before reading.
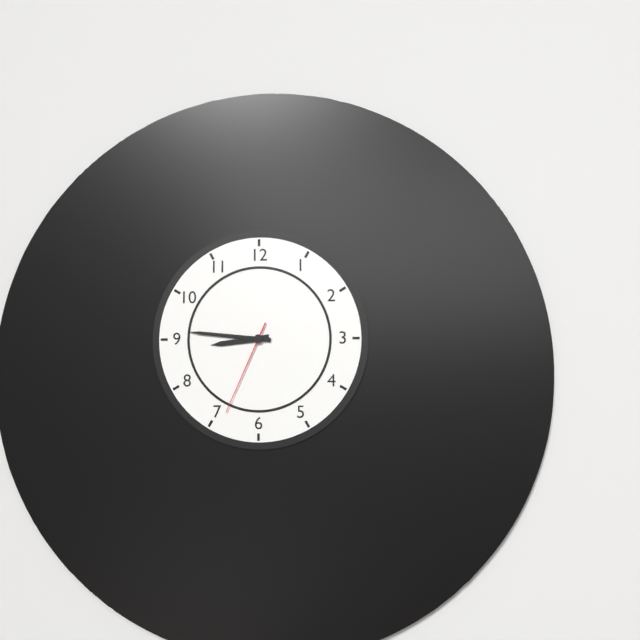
8:46:34
